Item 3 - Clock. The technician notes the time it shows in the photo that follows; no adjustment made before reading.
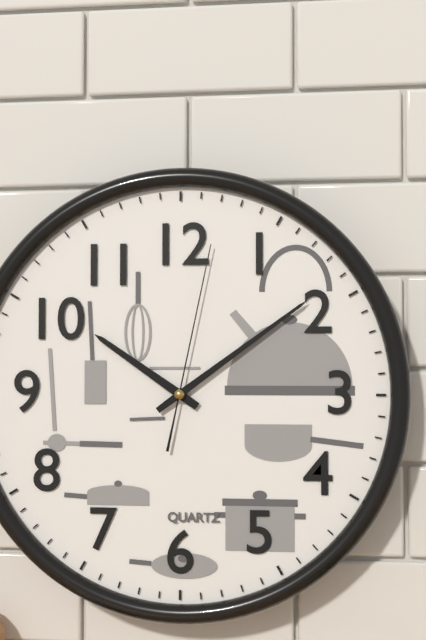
10:09:02
